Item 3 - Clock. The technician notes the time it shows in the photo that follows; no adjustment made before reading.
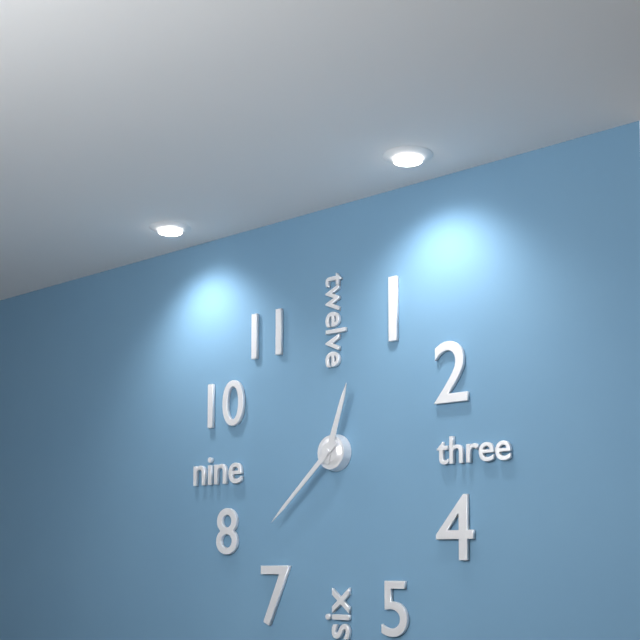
12:38
